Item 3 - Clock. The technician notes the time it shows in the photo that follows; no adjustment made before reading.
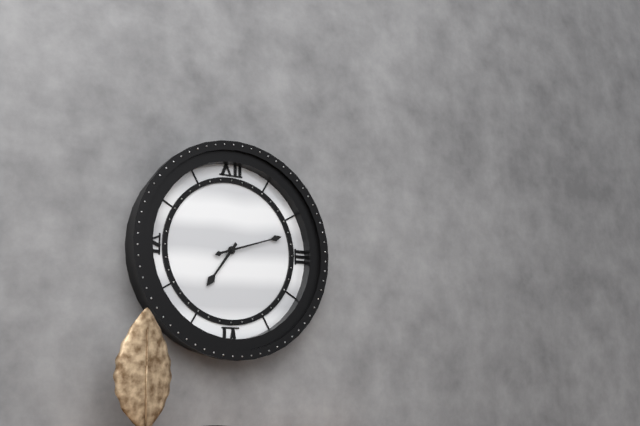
7:12
